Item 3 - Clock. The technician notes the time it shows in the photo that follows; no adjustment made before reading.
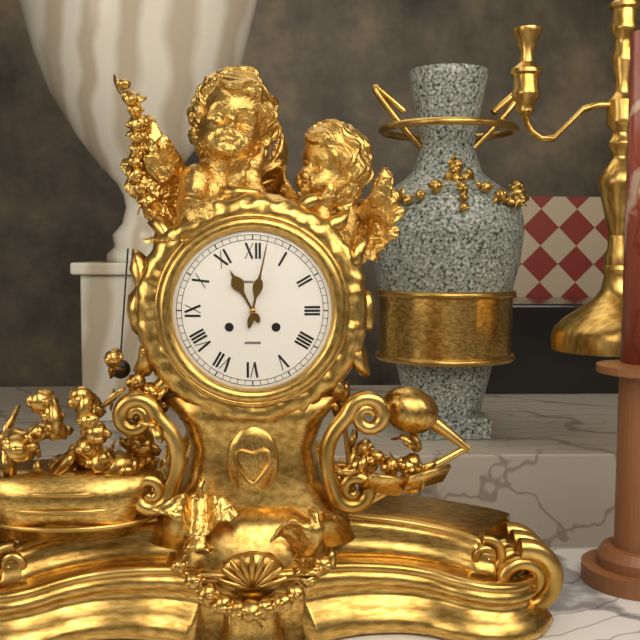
11:02
